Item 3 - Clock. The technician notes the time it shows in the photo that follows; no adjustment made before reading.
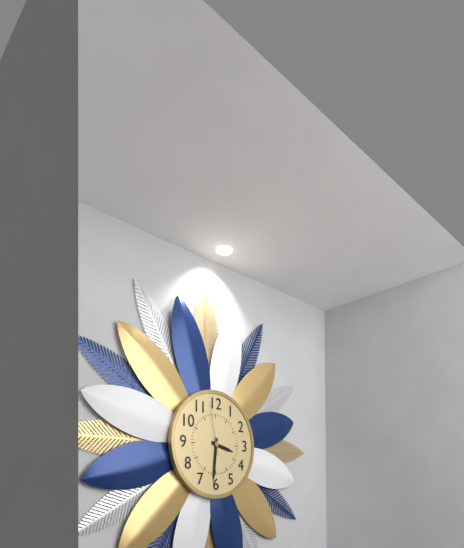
3:31:58
